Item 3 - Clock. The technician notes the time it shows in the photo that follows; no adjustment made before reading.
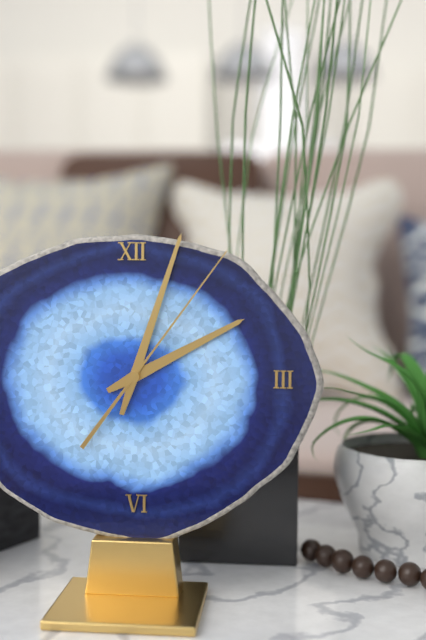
2:03:06
